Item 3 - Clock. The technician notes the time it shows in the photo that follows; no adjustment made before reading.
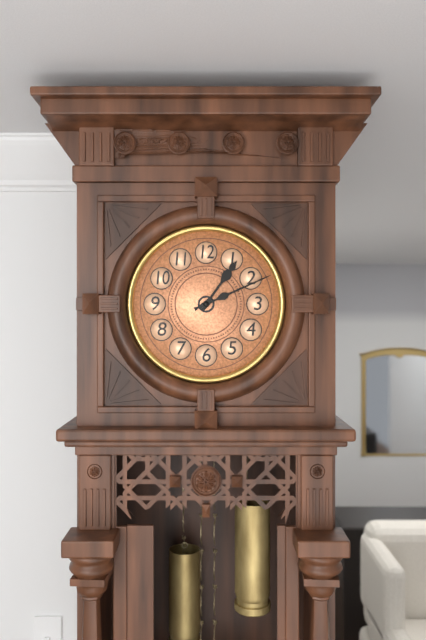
1:11
